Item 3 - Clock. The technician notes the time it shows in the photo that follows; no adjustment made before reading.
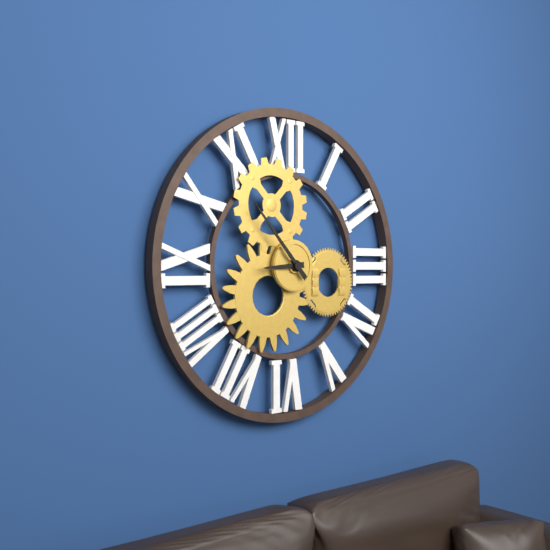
8:53
